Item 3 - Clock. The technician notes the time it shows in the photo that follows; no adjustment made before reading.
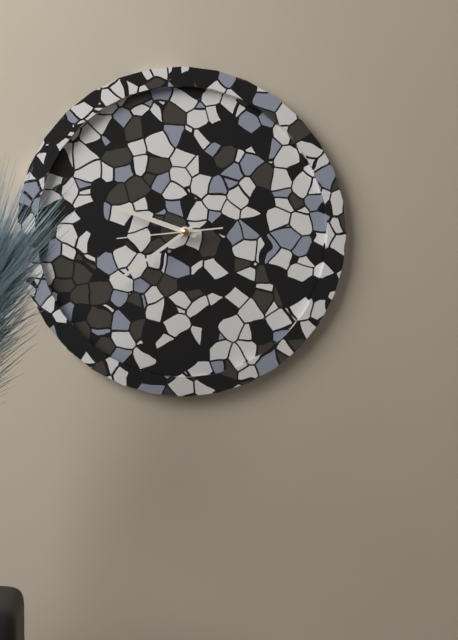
9:39:44
